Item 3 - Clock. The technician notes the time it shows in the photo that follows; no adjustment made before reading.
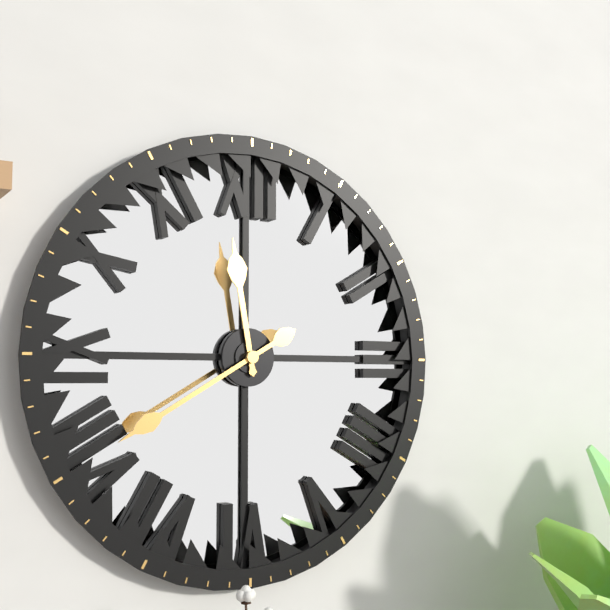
11:40
